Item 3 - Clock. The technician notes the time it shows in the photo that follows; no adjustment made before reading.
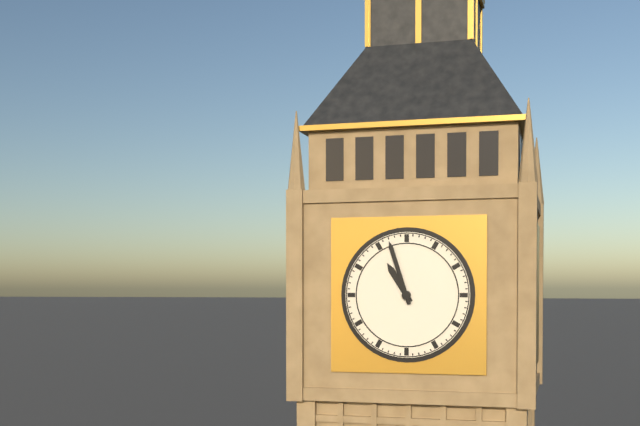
10:57
